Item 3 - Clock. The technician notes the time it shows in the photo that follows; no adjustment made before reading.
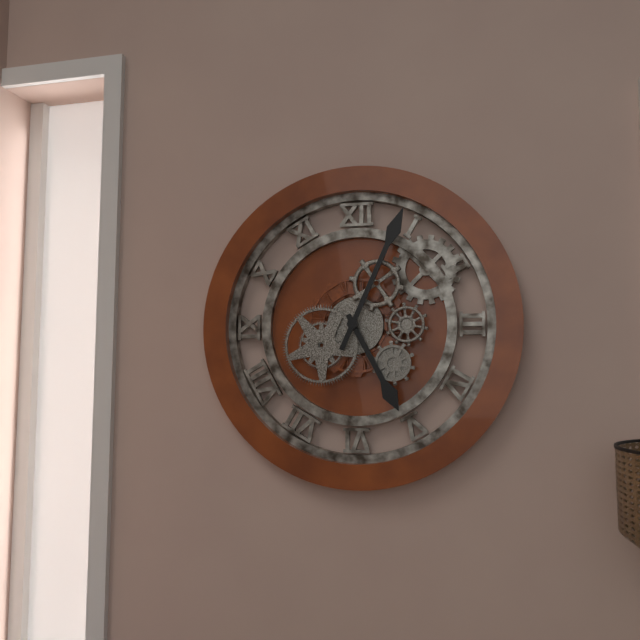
5:04
